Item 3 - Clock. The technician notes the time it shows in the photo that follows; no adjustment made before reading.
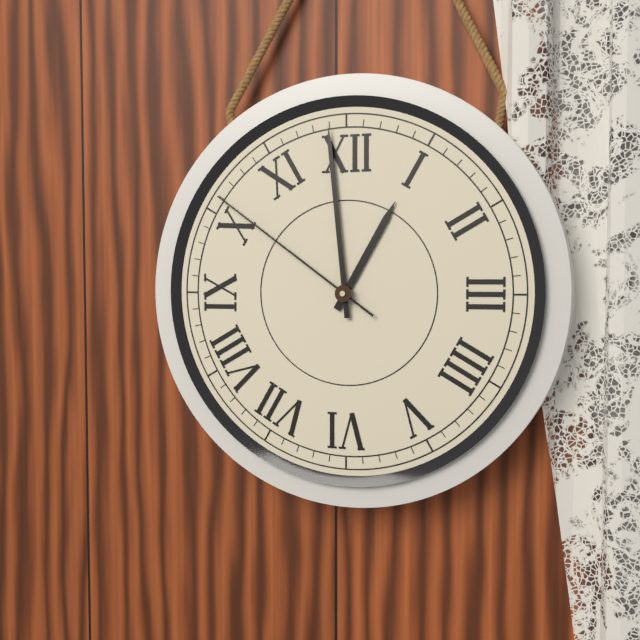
12:59:51
